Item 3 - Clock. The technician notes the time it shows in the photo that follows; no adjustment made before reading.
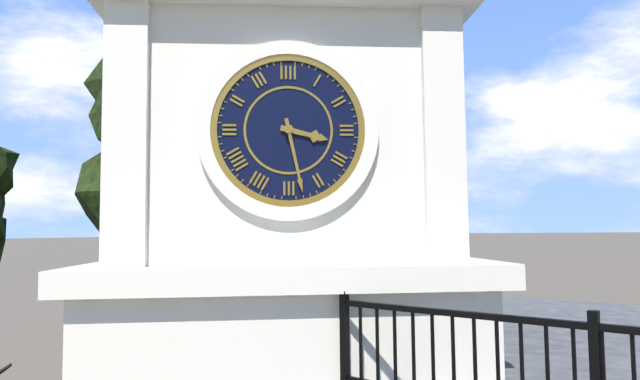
3:28
